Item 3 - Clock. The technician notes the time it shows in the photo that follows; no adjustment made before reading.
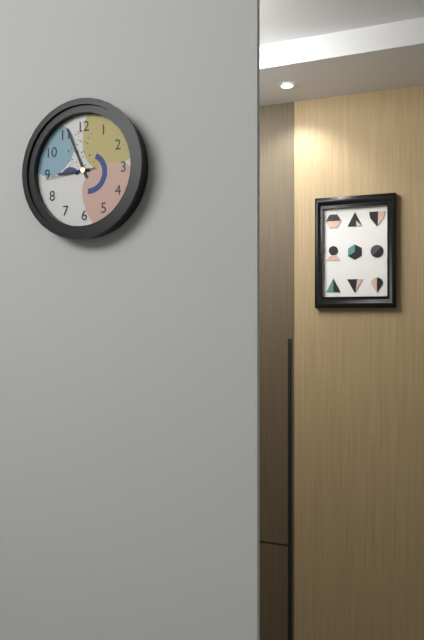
8:56
